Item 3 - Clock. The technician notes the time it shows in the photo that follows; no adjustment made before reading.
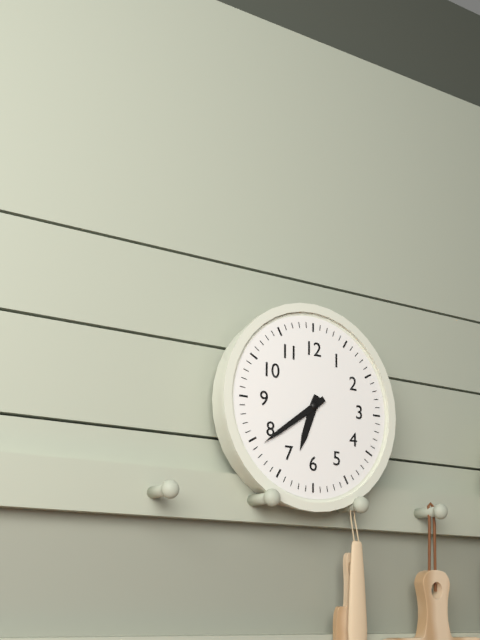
6:39
